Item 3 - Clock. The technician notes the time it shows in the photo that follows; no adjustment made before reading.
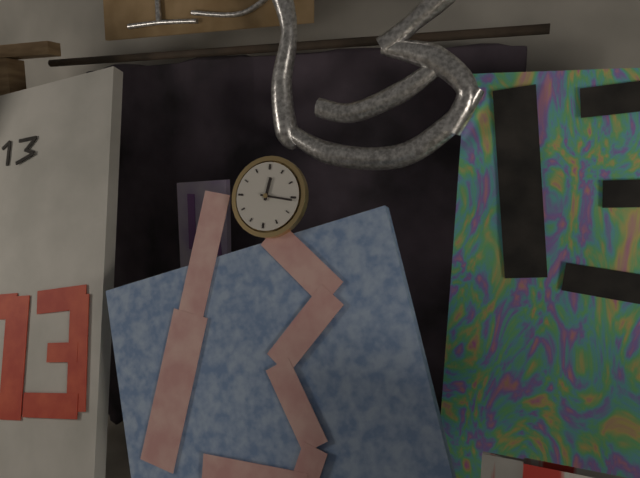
12:16
